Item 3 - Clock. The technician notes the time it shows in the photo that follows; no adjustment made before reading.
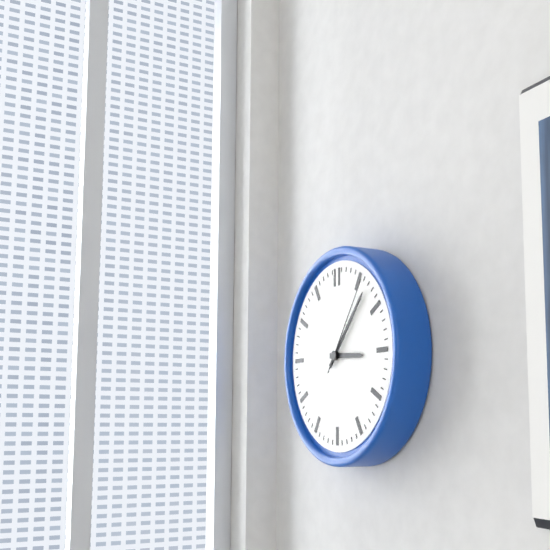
3:07:06
